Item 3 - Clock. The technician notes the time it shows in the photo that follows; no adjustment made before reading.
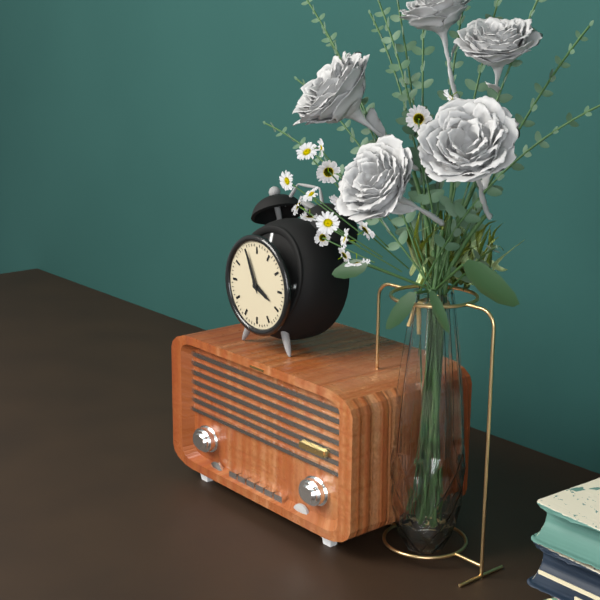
3:56
